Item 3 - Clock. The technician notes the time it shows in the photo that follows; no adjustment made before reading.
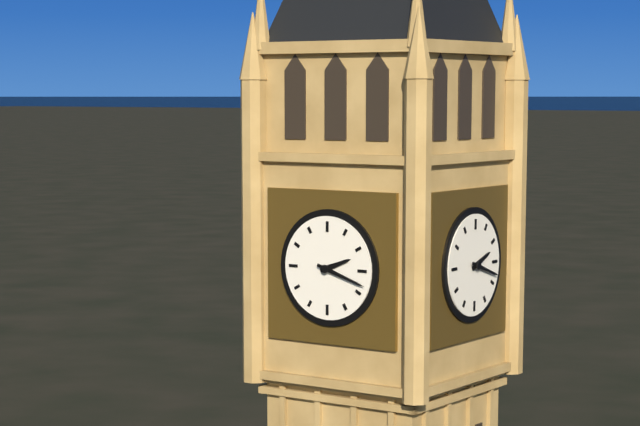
2:18
